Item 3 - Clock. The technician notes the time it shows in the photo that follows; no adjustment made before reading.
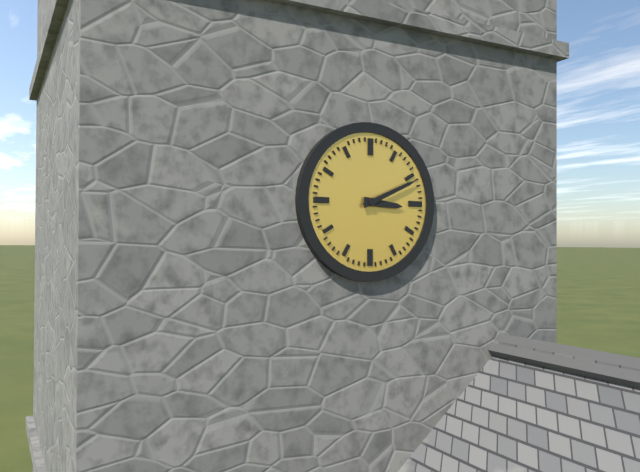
3:11
